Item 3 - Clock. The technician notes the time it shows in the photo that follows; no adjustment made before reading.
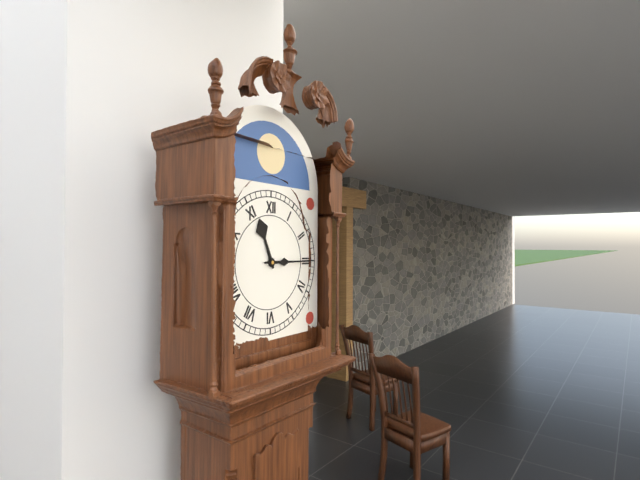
11:15
